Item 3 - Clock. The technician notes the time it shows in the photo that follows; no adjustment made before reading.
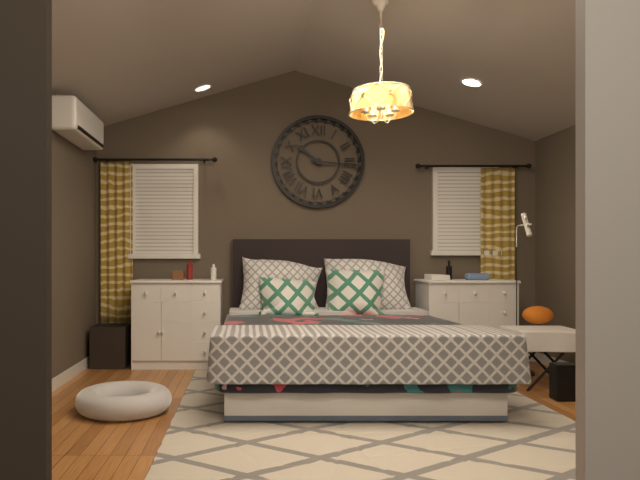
10:16
